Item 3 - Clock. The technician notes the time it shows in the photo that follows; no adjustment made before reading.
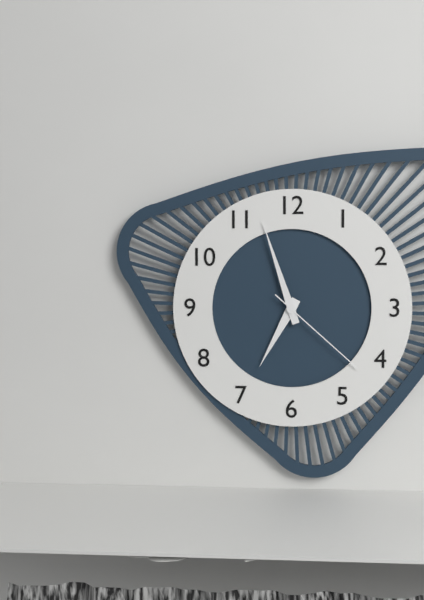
6:57:22
